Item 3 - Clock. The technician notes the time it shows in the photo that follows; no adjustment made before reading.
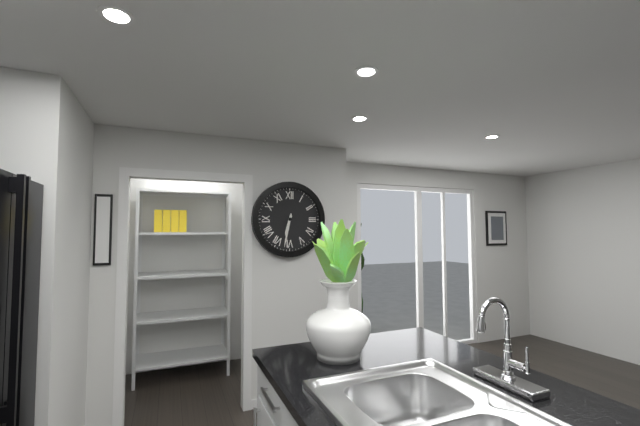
6:32
